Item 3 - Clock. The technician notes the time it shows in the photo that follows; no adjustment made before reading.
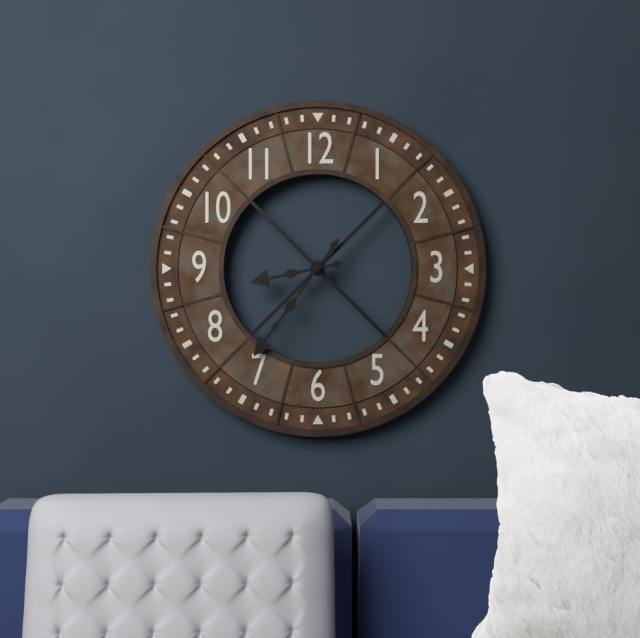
8:36
